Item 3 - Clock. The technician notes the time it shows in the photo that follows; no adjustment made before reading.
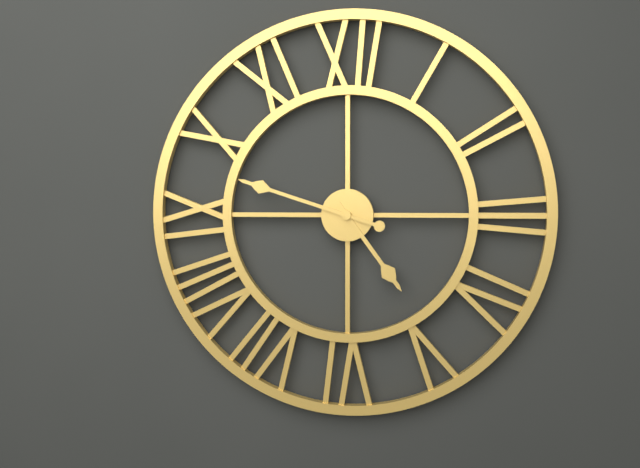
4:48
